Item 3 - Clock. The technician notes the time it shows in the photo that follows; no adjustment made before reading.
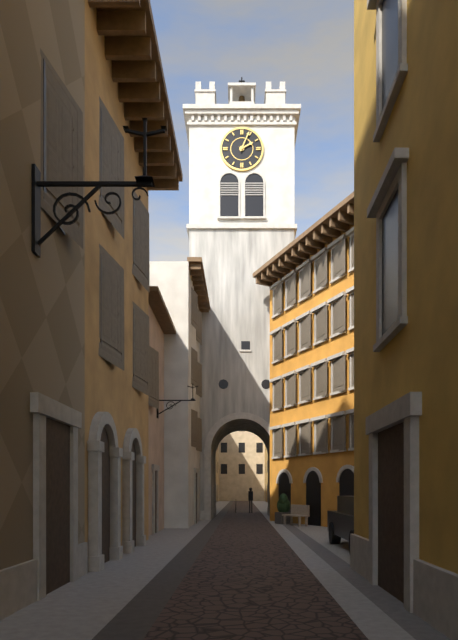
2:04
